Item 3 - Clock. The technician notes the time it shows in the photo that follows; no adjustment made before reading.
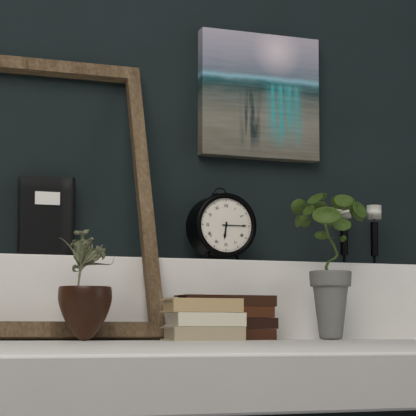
6:15
